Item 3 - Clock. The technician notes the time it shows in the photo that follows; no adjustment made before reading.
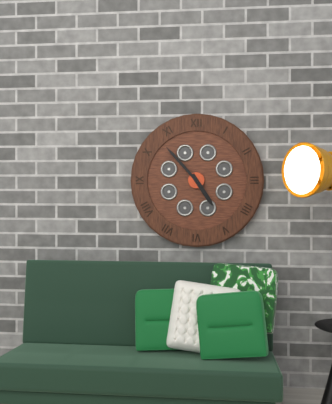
4:53
